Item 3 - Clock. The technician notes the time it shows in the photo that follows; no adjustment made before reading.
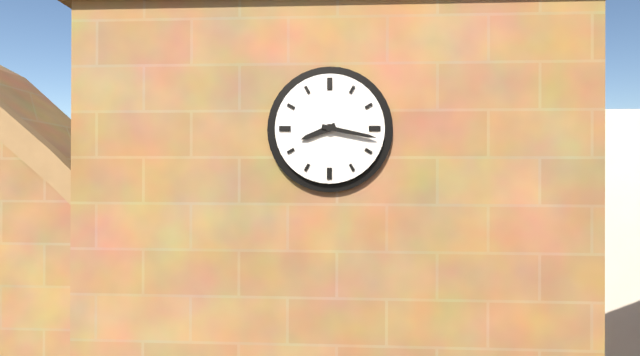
8:17
